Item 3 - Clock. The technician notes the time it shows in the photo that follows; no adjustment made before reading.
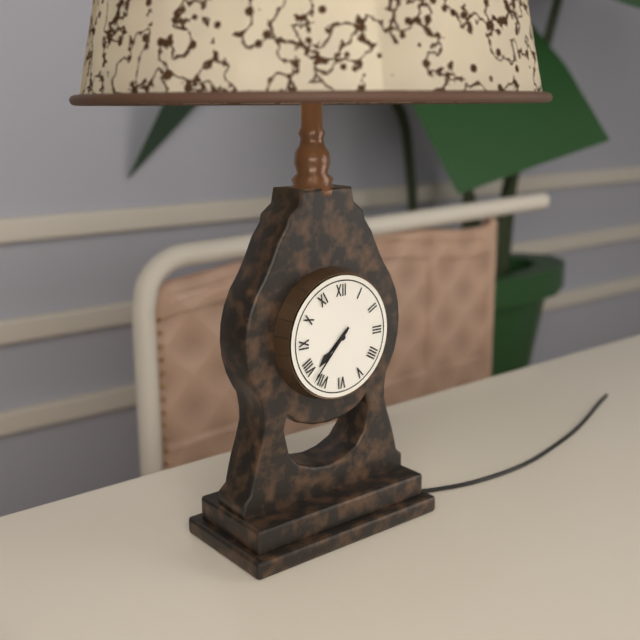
7:37
